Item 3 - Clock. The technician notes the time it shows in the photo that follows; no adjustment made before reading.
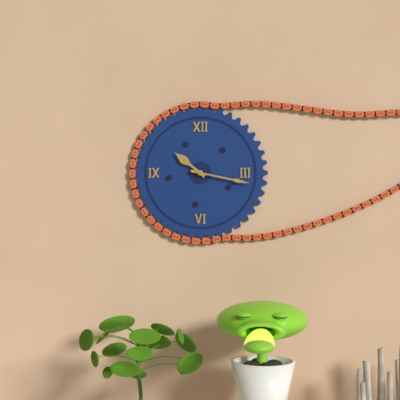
10:17
